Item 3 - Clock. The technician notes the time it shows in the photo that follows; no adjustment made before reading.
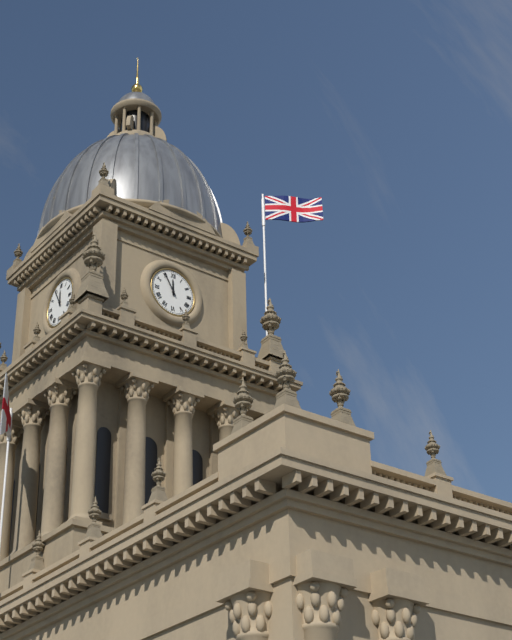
11:55
